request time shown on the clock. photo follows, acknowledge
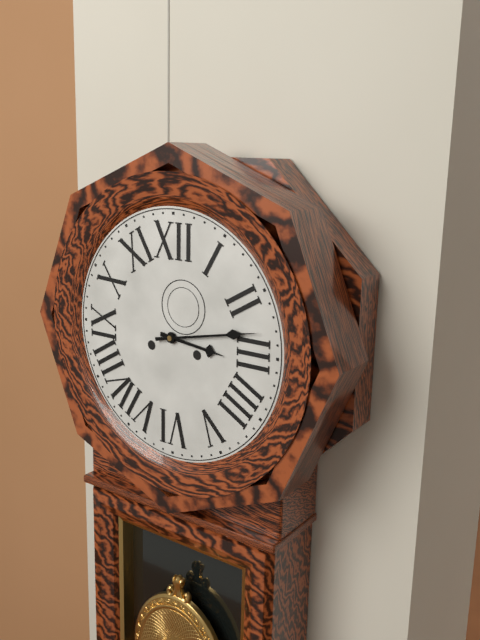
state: 3:13
